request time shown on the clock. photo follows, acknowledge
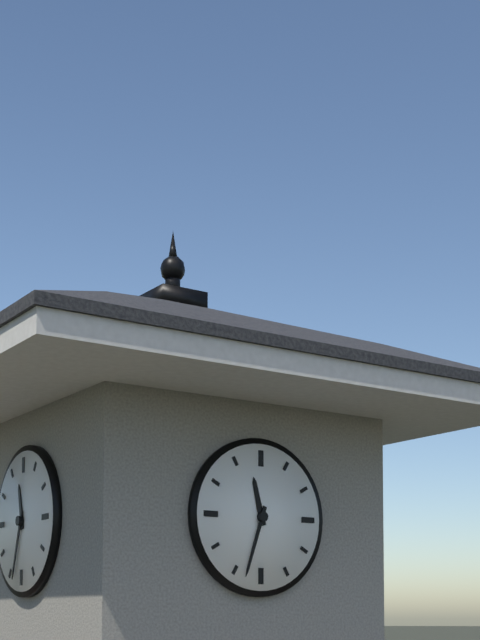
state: 11:33
